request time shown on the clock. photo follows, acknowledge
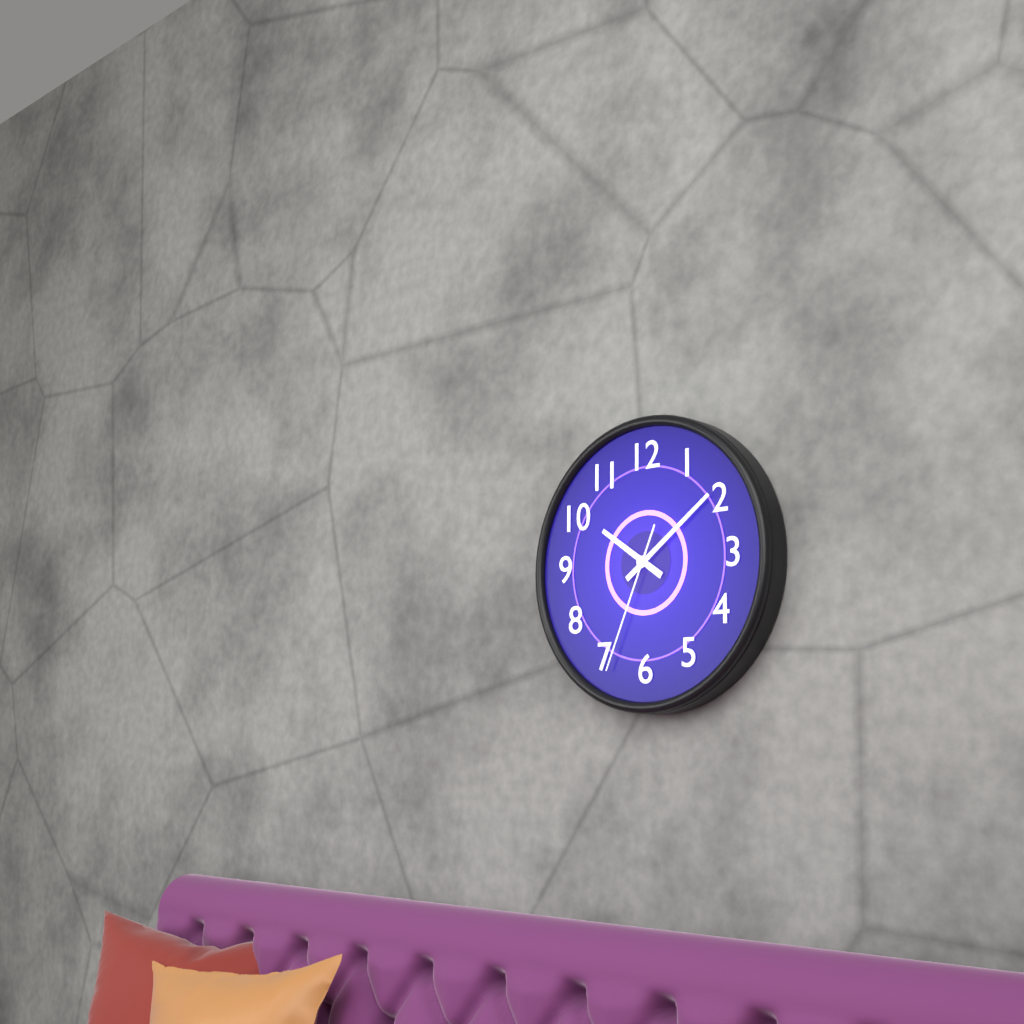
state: 10:09:34
